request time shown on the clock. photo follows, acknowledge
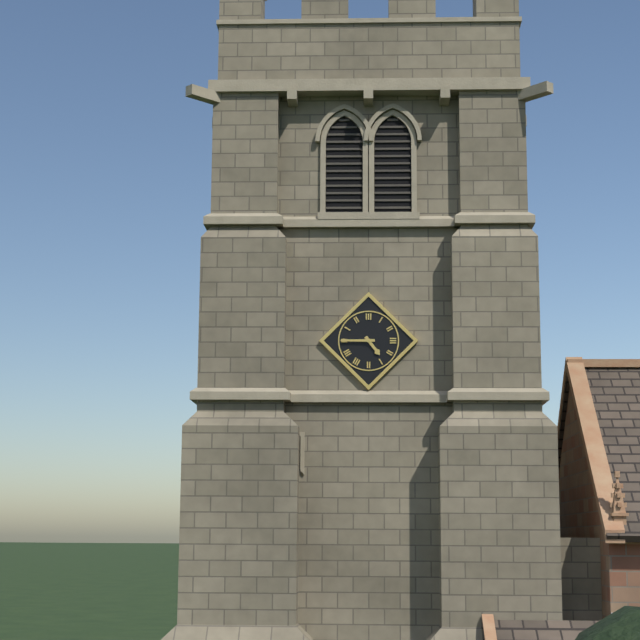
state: 4:45
